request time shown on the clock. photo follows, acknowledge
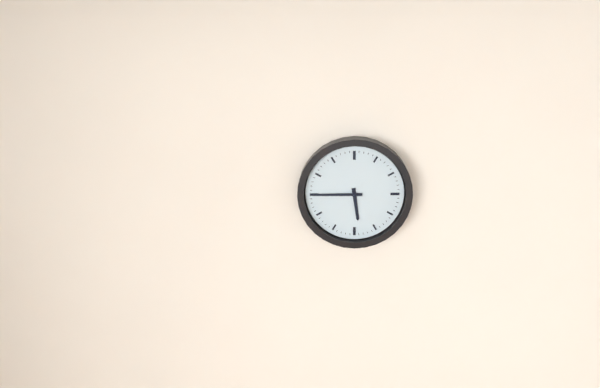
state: 5:45
